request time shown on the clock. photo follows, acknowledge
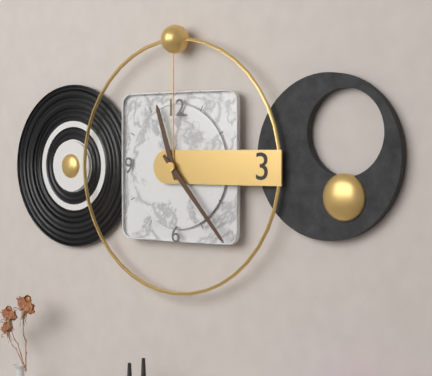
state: 11:23
